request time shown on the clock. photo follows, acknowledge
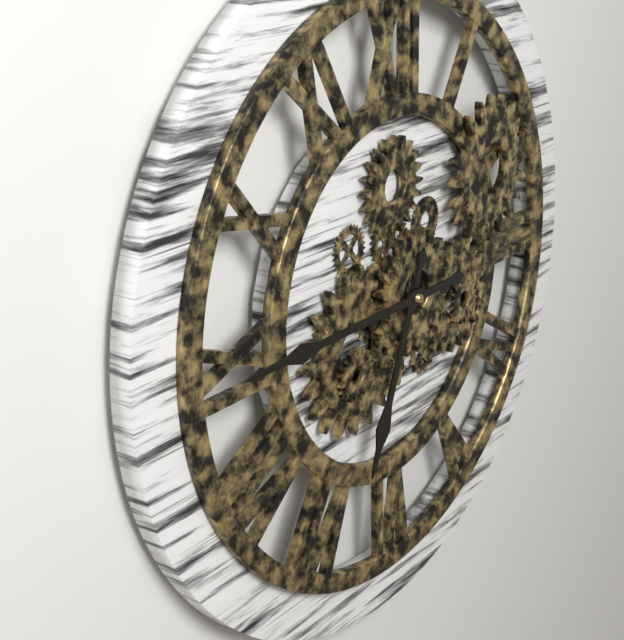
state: 6:45
